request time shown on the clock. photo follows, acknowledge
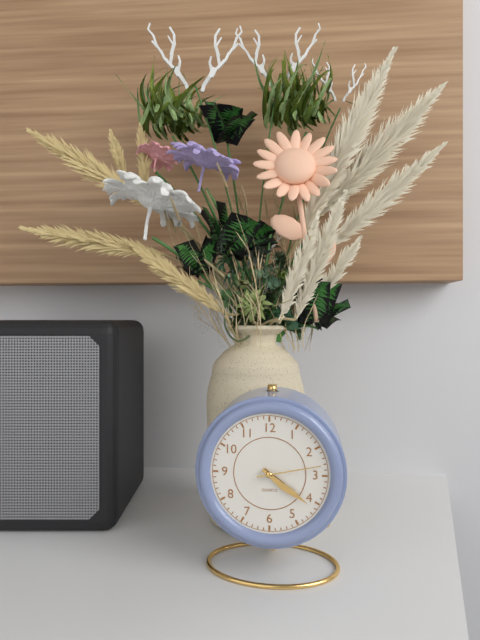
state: 4:21:13
